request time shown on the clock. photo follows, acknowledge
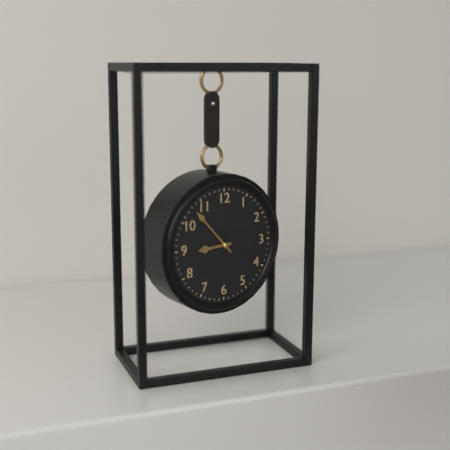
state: 8:53
